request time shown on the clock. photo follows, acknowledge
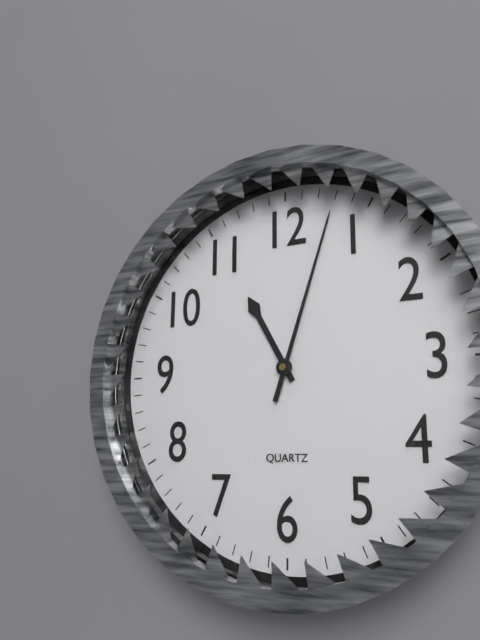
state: 11:03
